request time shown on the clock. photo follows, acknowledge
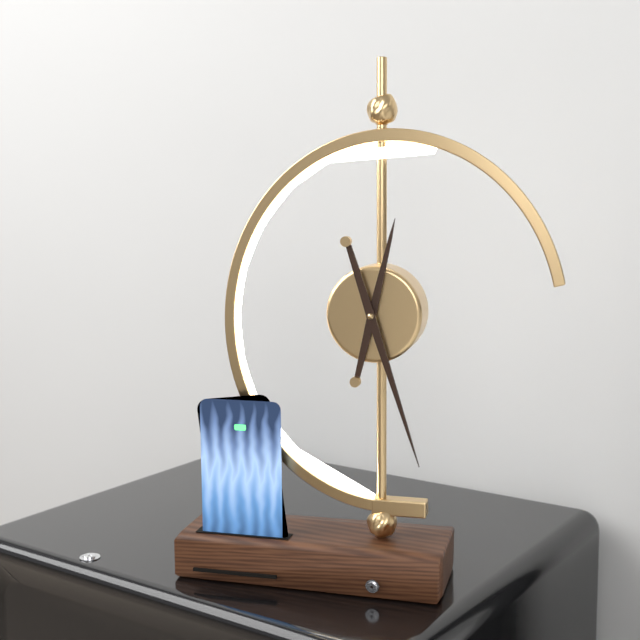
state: 12:27
